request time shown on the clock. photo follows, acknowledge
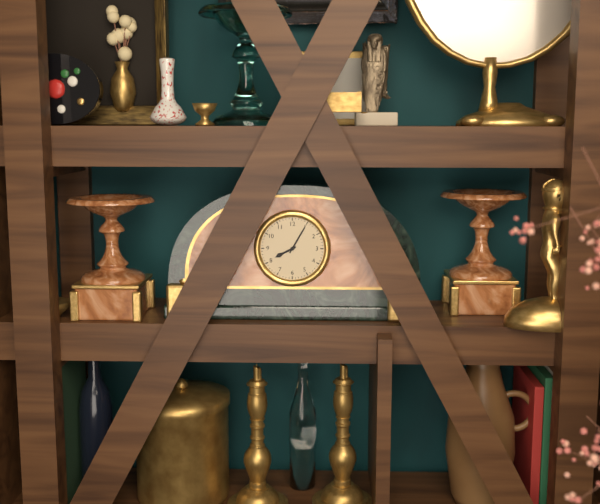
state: 8:05
